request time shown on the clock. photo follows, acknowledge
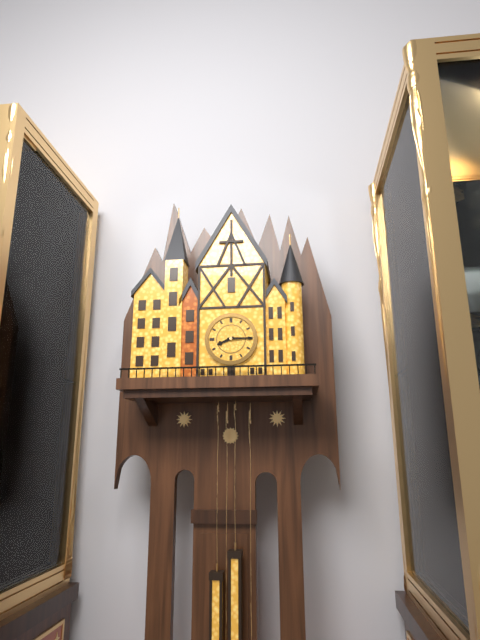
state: 8:15
